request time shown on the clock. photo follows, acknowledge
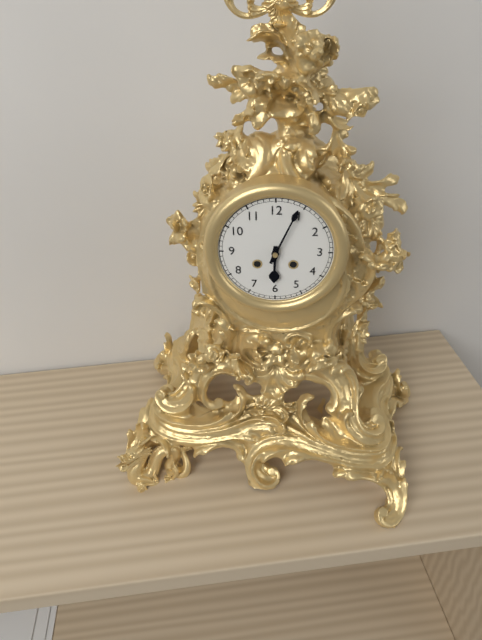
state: 6:04
